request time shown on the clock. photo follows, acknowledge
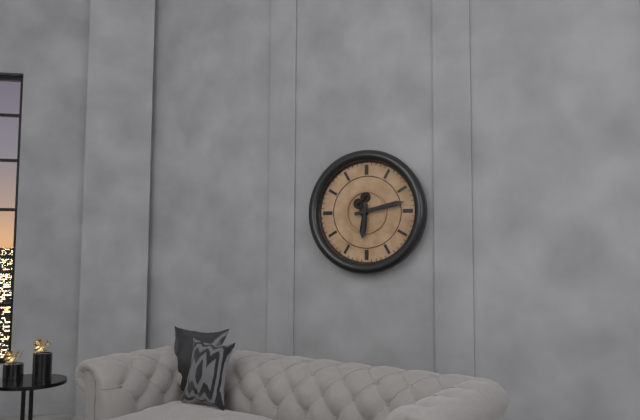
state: 6:13
